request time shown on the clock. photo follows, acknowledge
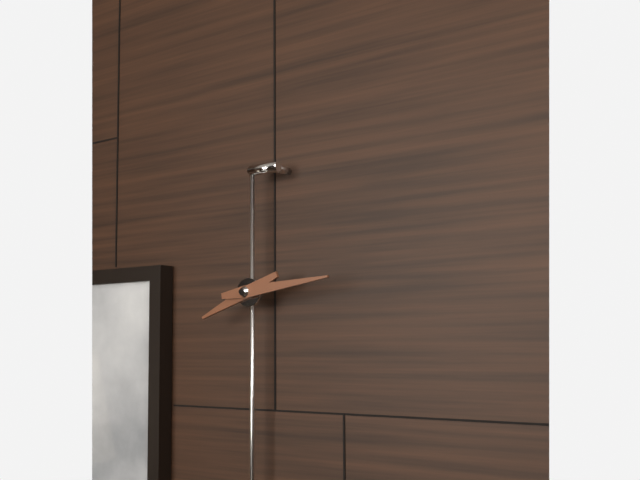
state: 8:14
